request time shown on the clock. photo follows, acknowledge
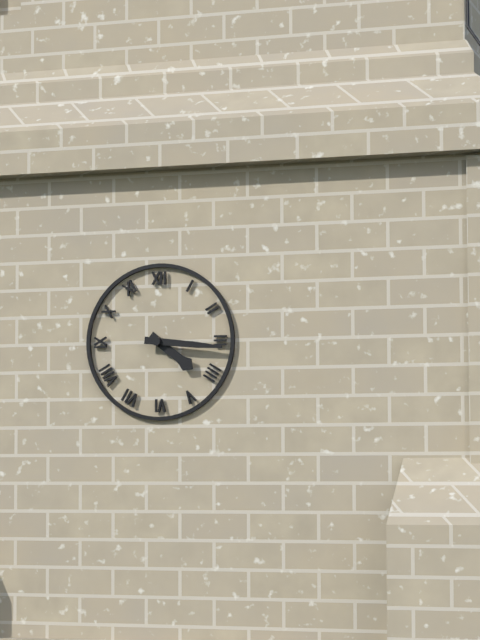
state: 4:16
